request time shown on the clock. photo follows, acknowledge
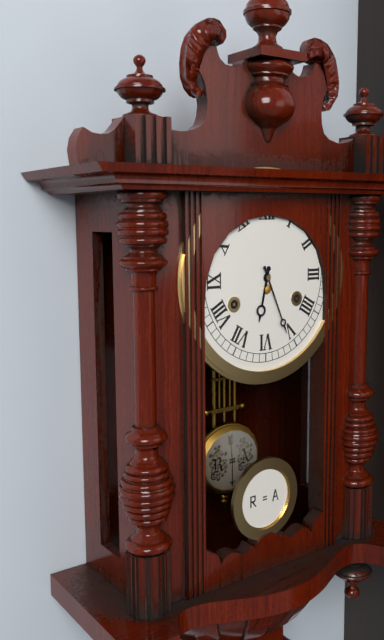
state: 6:26
